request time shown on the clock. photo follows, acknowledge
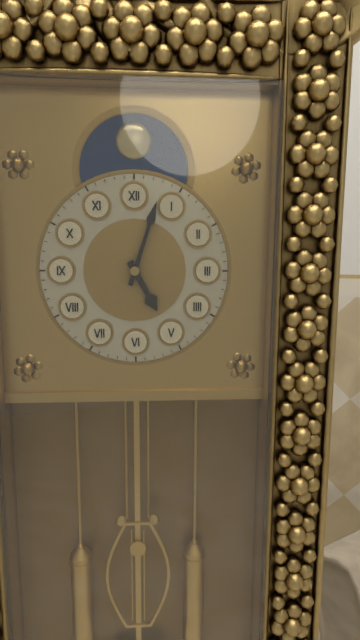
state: 5:03
